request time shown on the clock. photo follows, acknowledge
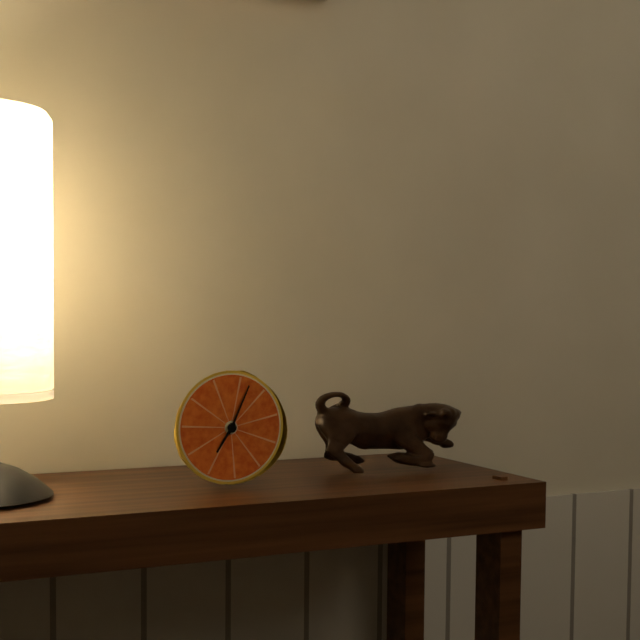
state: 7:04
